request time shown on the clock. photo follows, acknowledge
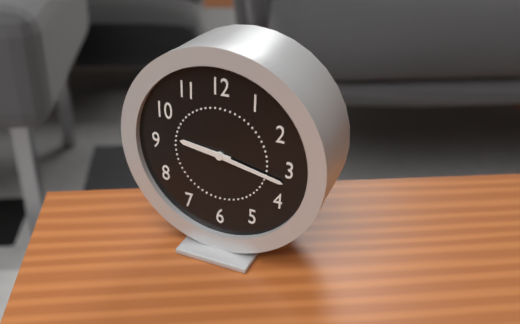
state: 9:17
